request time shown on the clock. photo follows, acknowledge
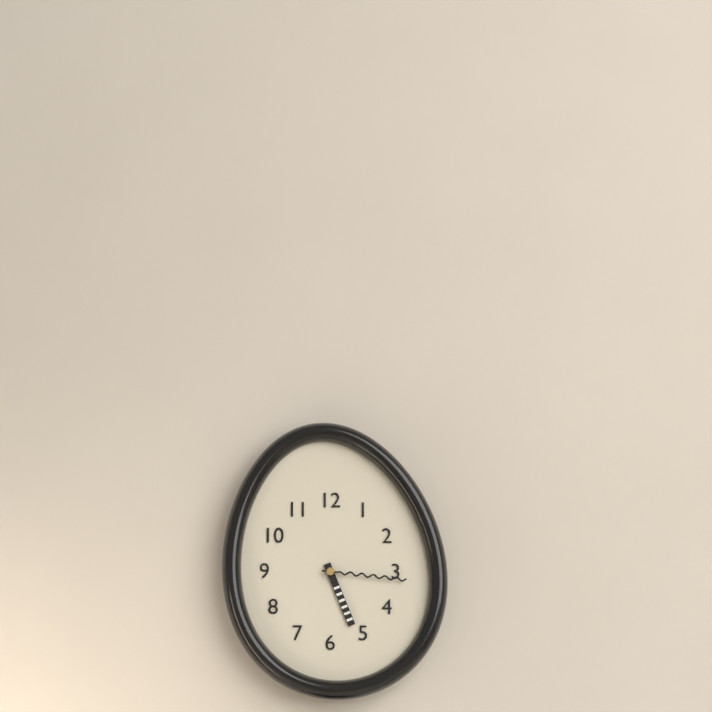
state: 5:16
